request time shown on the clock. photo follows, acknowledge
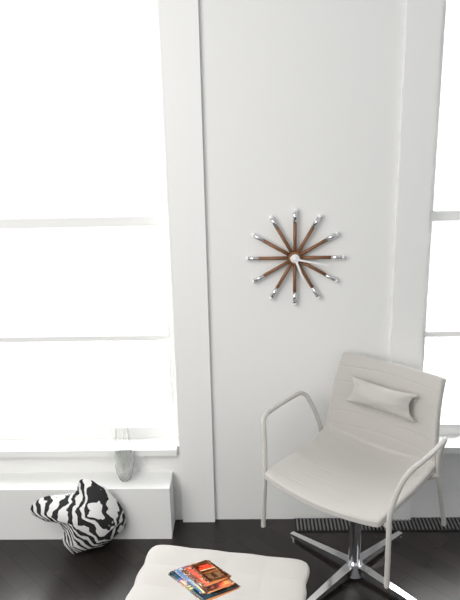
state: 5:17
